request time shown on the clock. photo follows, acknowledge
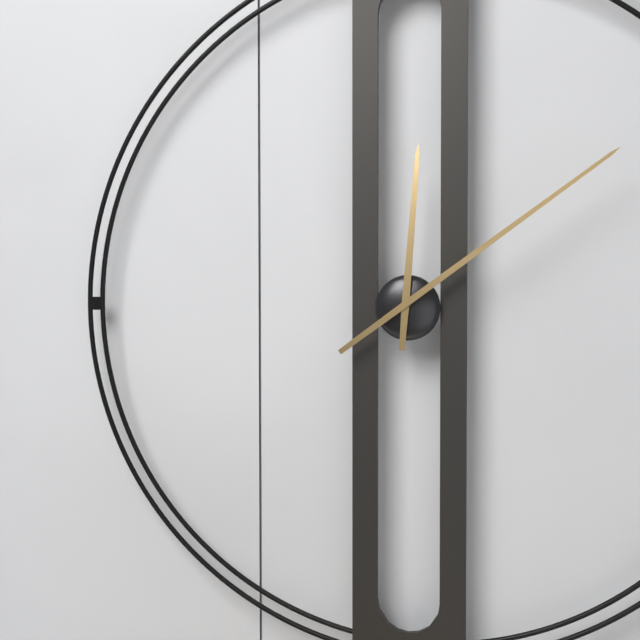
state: 12:09
